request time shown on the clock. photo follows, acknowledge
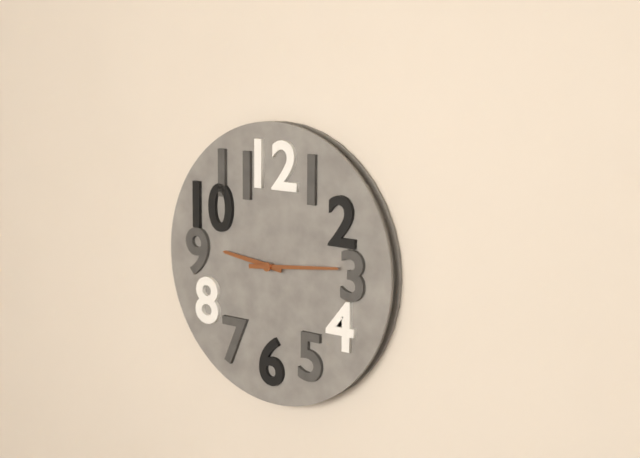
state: 9:14
